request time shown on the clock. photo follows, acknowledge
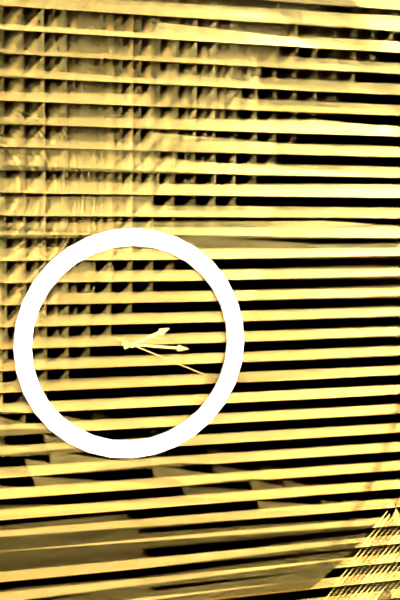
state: 2:16:19
